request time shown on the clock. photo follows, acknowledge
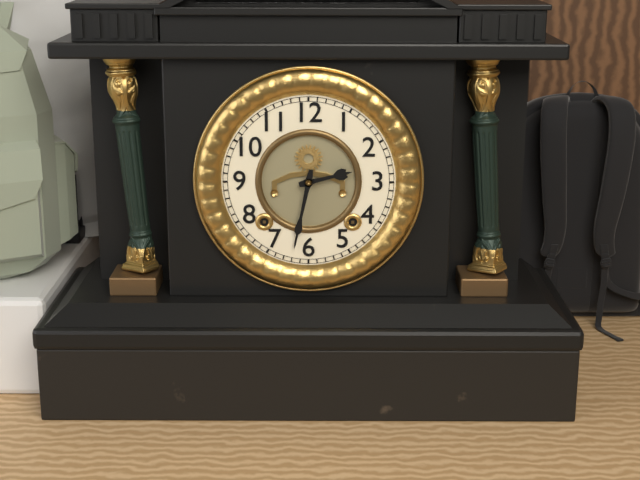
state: 2:32
